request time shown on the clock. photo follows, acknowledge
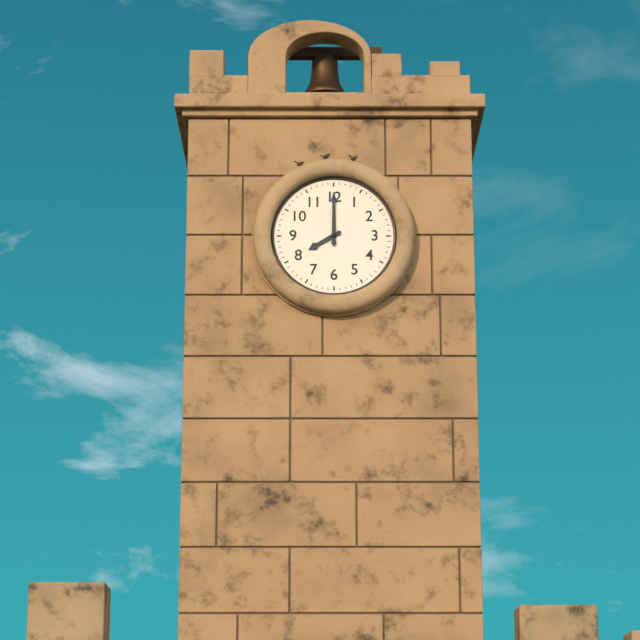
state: 8:00
